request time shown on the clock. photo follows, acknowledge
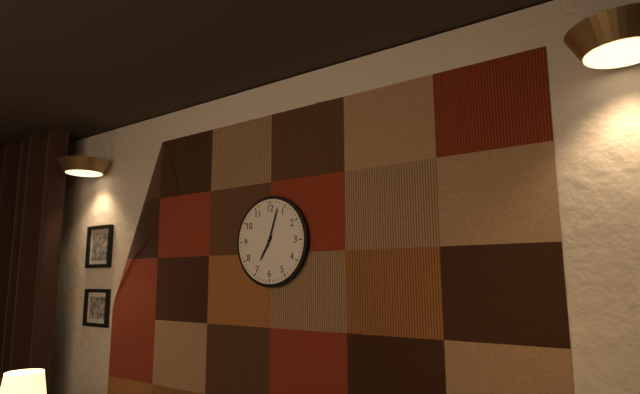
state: 7:03
